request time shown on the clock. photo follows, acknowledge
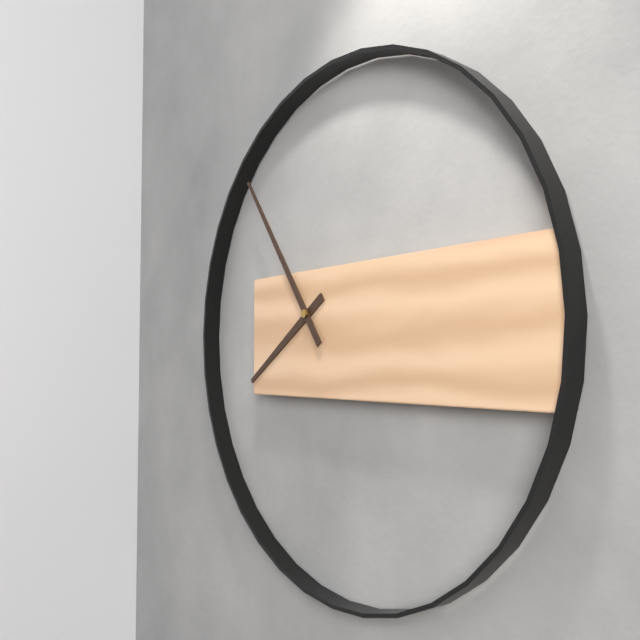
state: 7:54
